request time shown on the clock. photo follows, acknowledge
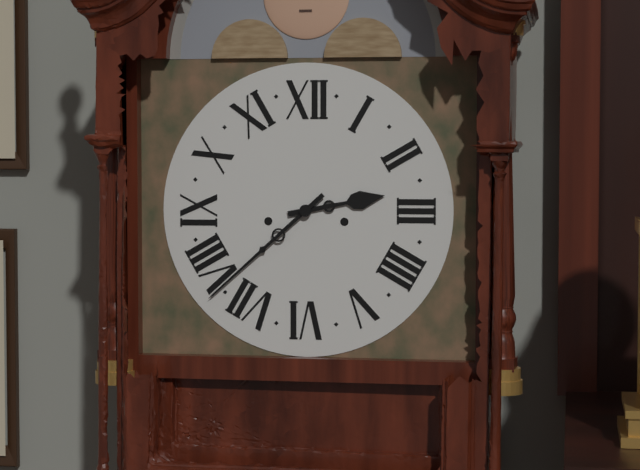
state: 2:38
